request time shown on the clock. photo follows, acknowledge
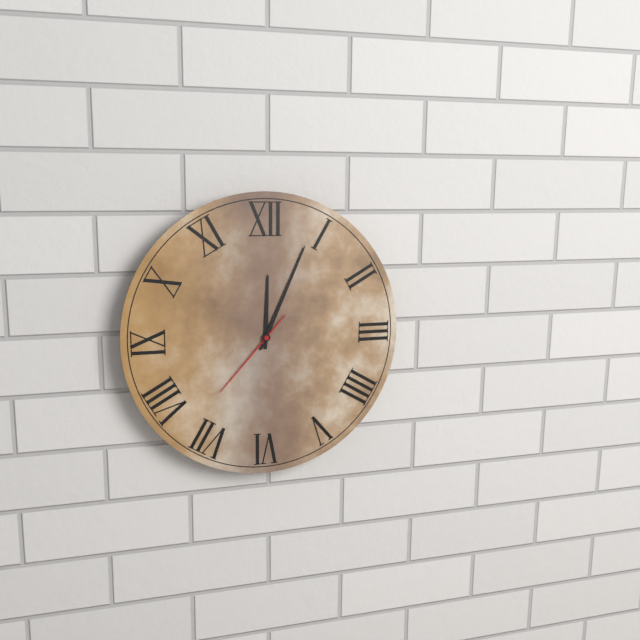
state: 12:04:37
